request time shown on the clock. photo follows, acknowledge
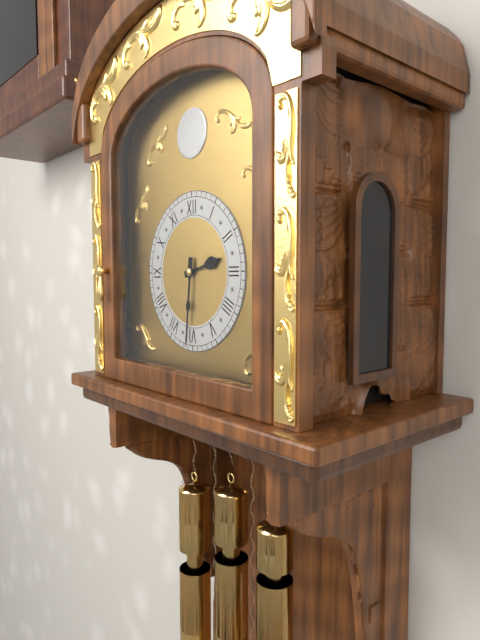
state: 2:31
